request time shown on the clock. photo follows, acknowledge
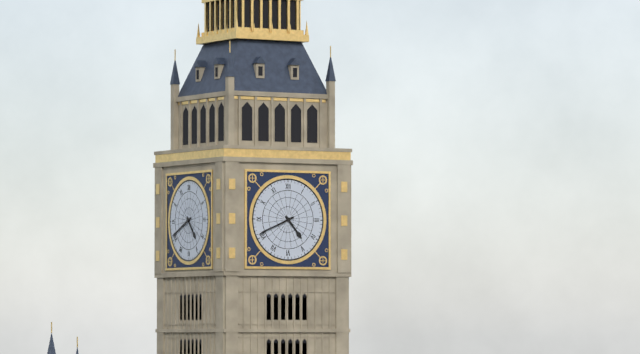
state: 4:41
